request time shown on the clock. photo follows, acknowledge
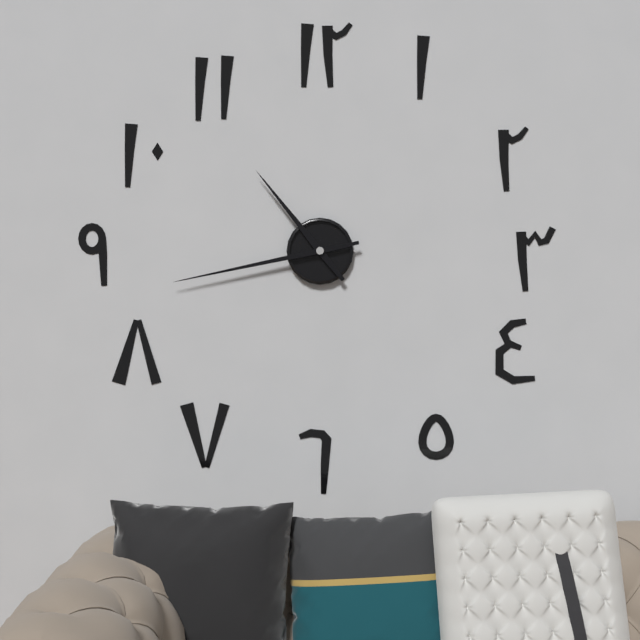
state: 10:43
